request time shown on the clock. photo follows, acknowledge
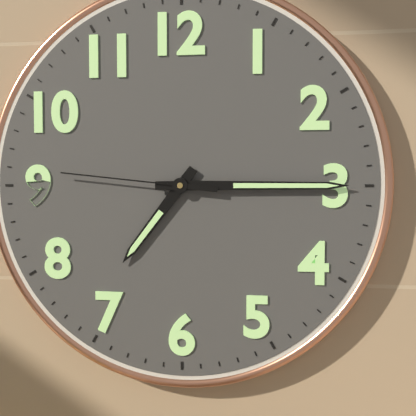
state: 7:15:46
